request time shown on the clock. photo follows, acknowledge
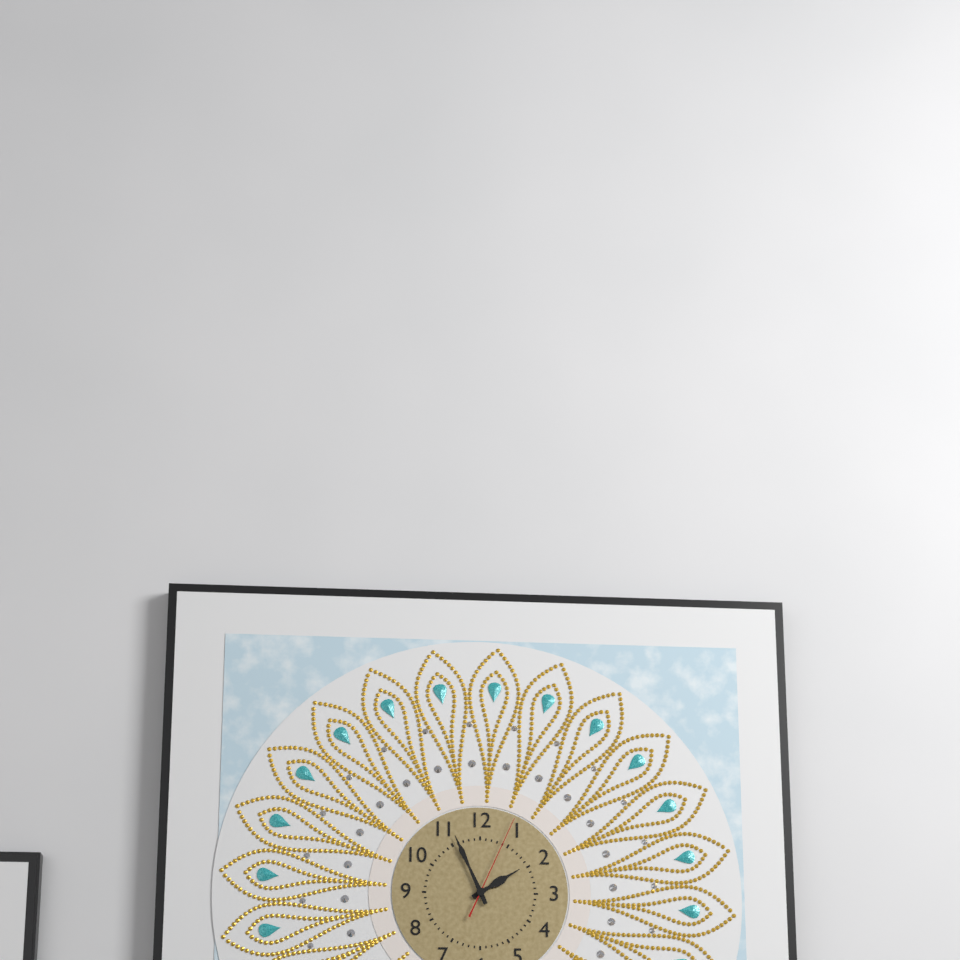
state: 1:56:04
